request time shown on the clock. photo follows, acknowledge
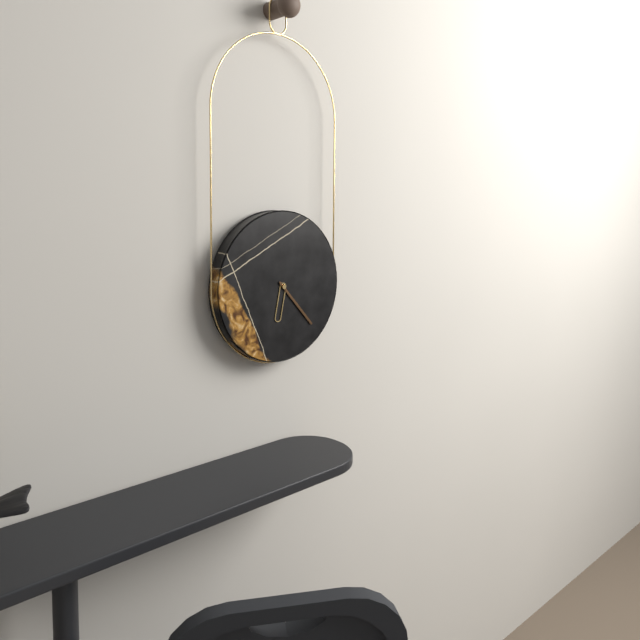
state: 6:23
